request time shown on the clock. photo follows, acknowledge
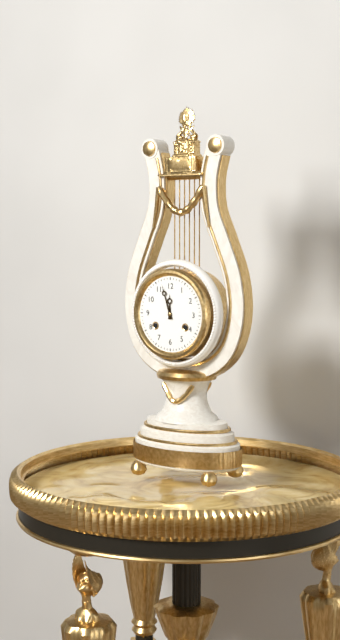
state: 11:57
